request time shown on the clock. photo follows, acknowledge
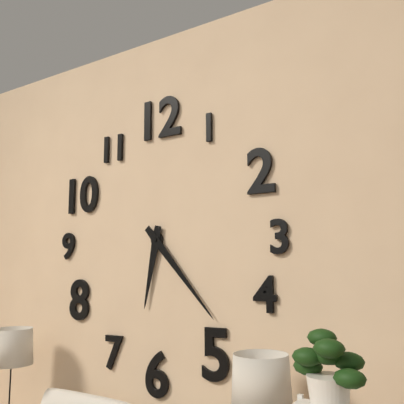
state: 6:23
